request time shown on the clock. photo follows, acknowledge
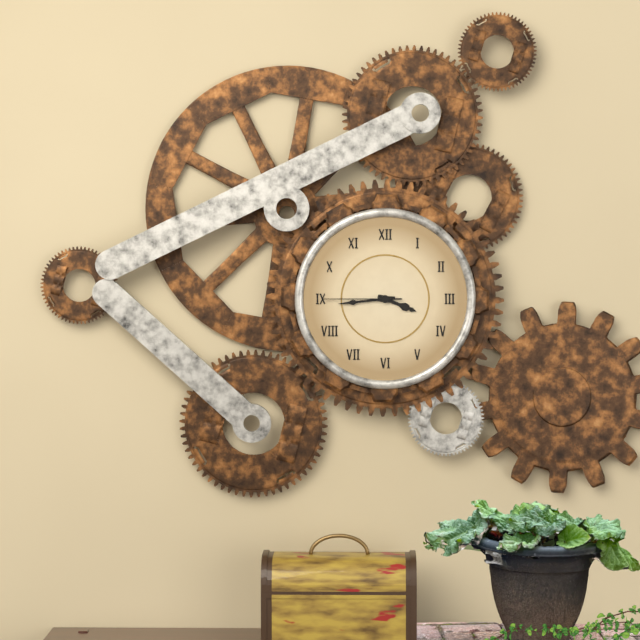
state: 3:44:45
